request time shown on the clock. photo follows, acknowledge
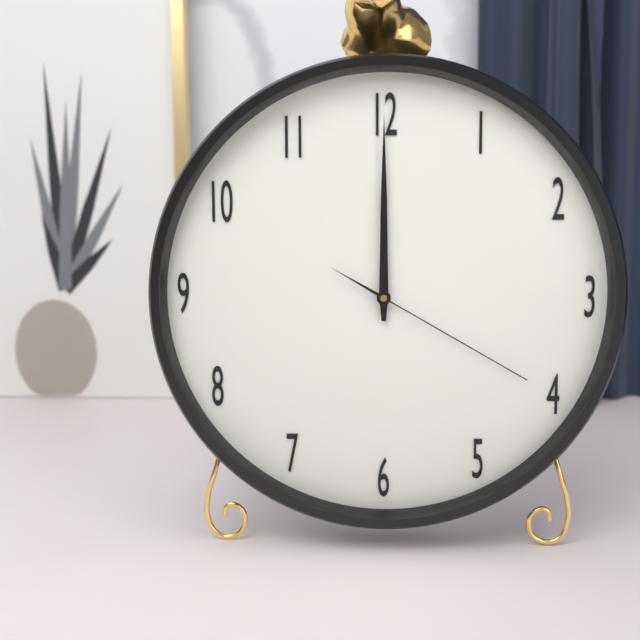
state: 12:00:20
